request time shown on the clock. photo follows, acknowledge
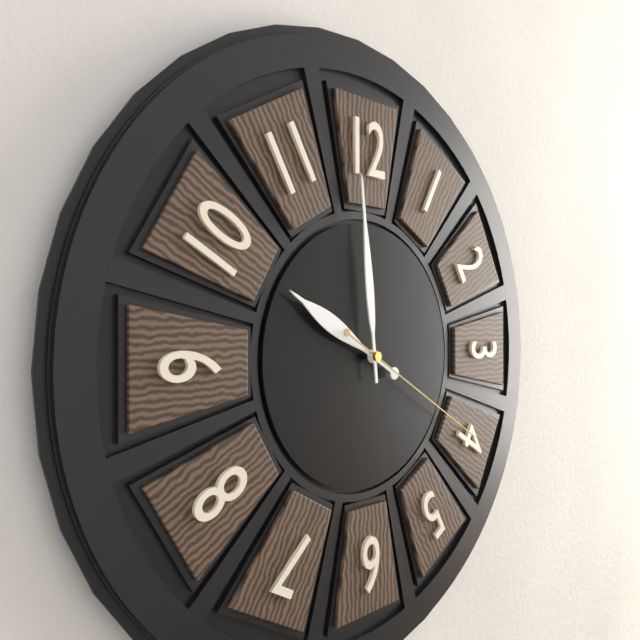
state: 9:59:20
